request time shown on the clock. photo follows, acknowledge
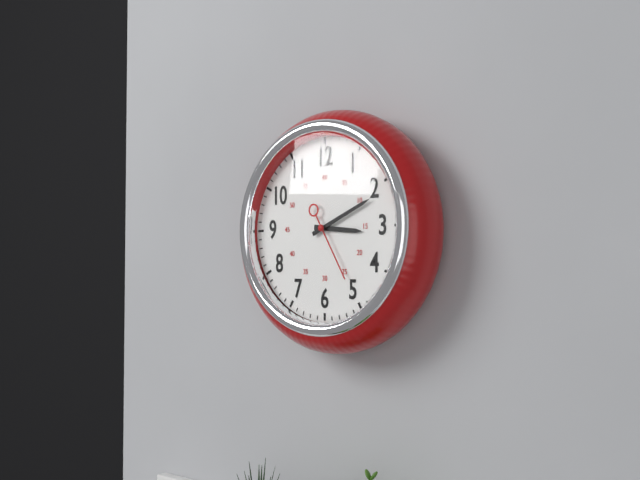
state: 3:11:25
